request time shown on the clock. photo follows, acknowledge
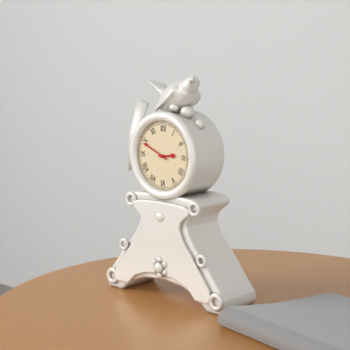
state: 2:49
